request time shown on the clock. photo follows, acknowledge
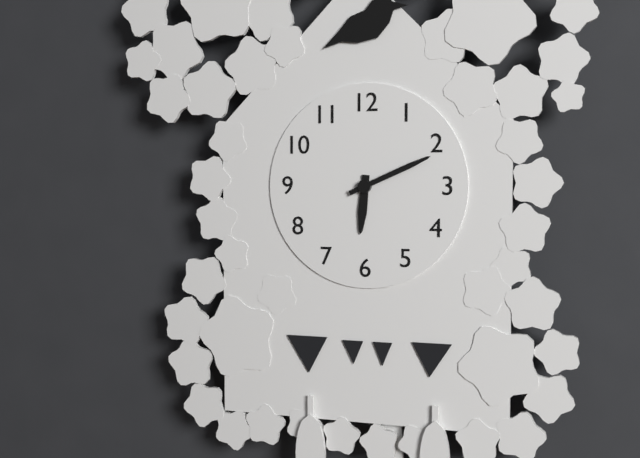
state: 6:11
